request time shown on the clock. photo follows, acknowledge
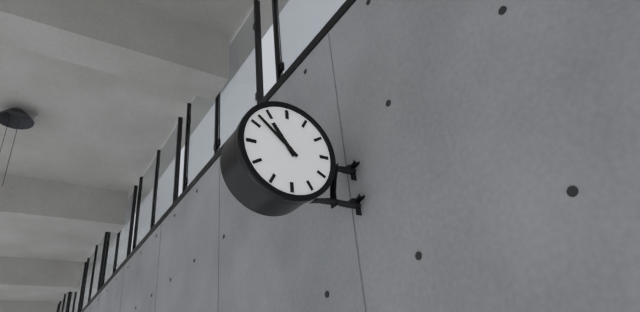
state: 10:52
